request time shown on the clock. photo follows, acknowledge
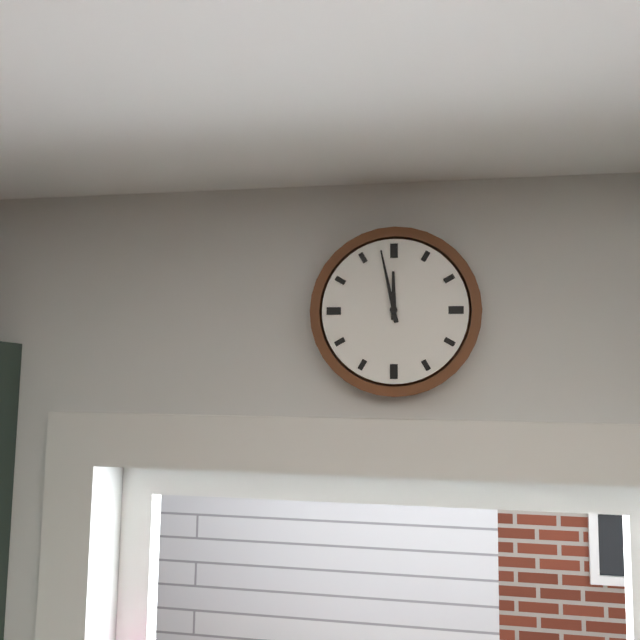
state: 11:58
